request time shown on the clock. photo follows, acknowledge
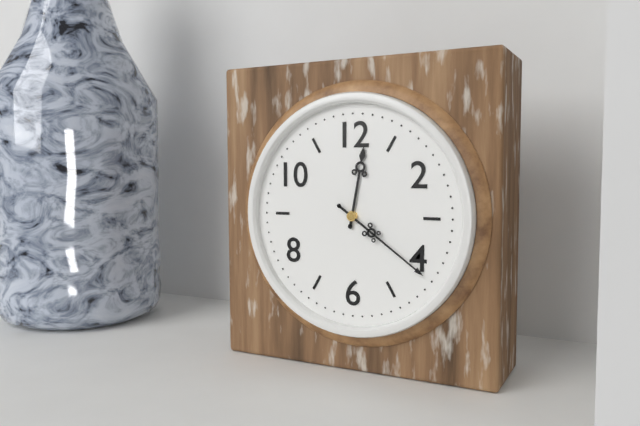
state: 12:21
